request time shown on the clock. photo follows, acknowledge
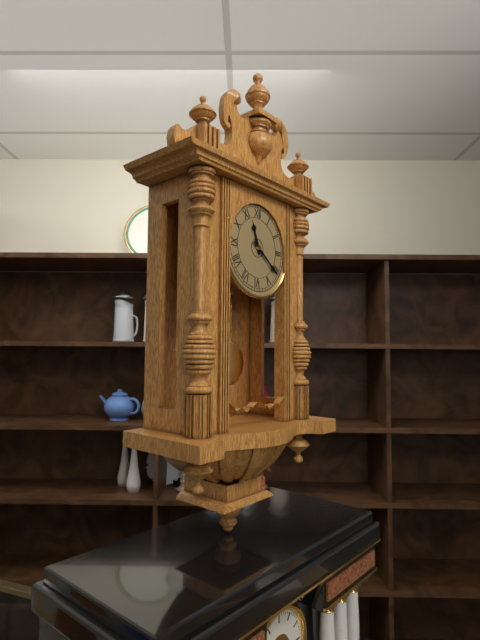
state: 11:21
